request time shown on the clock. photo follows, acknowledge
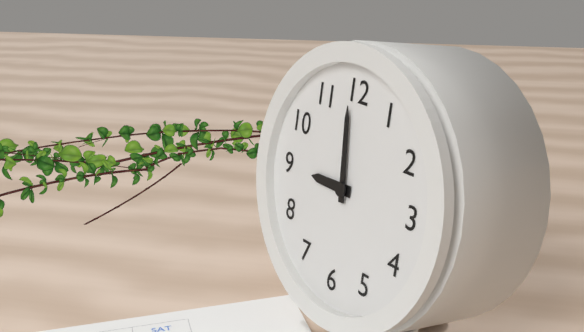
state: 8:59
